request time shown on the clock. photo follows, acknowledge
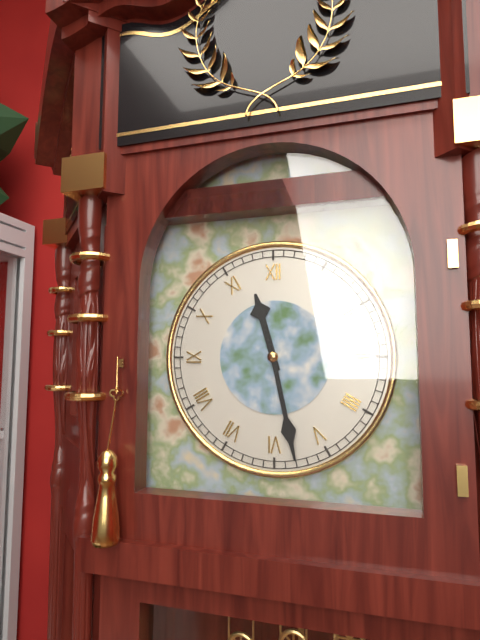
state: 11:28
